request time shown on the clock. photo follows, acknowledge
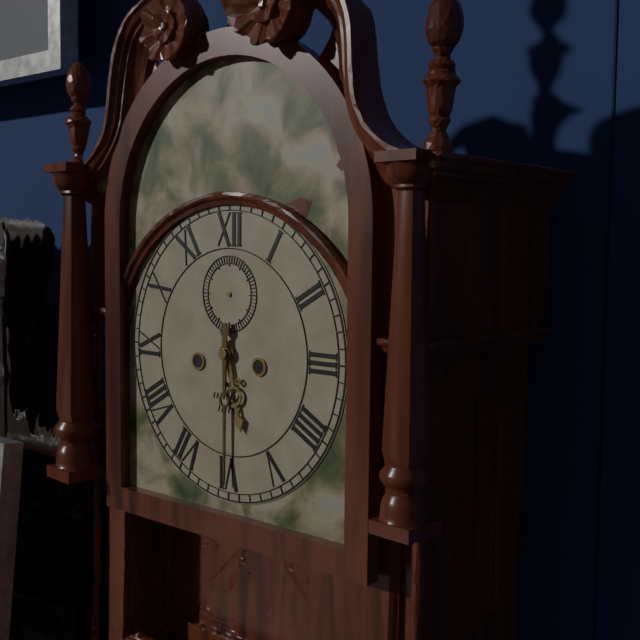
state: 5:30
